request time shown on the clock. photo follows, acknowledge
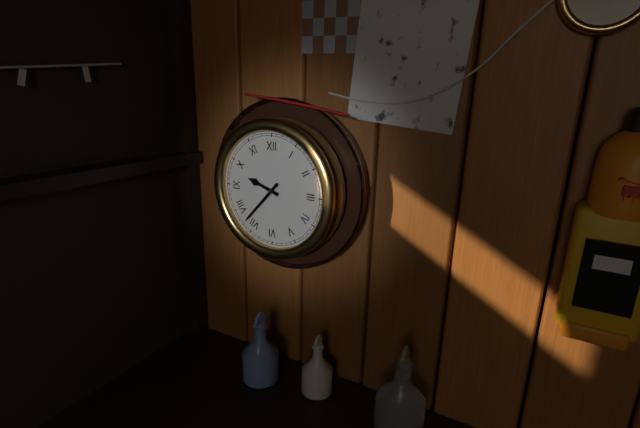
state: 9:37
